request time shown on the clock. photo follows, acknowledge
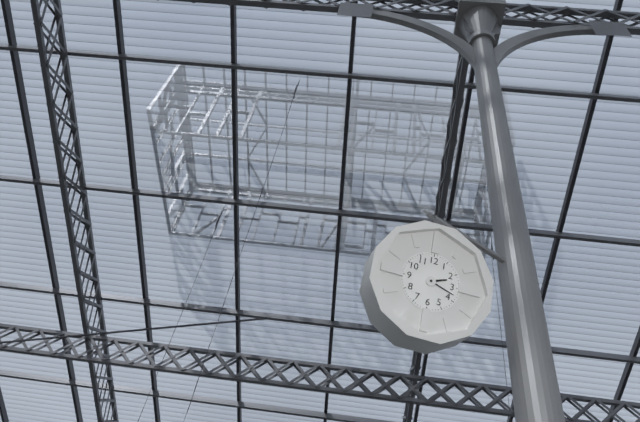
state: 2:18
